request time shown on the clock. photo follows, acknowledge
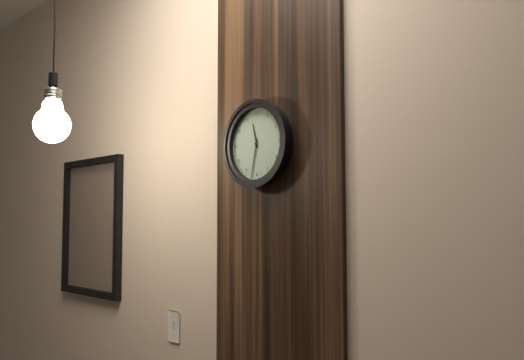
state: 11:32
